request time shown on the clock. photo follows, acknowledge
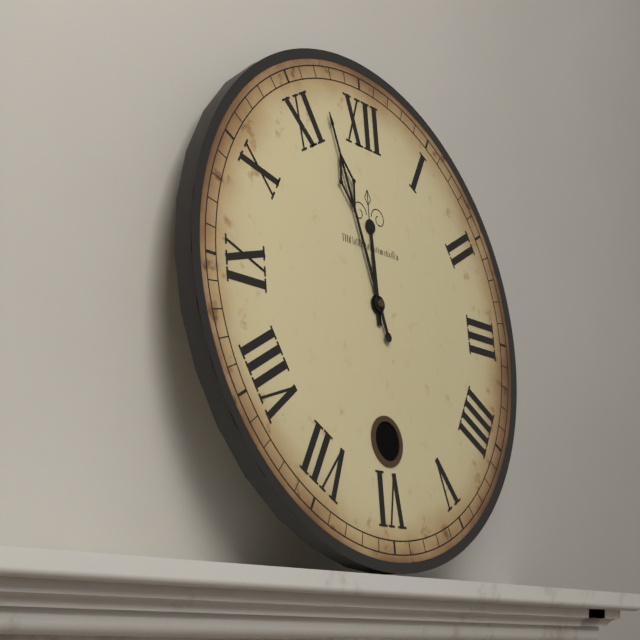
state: 11:57
